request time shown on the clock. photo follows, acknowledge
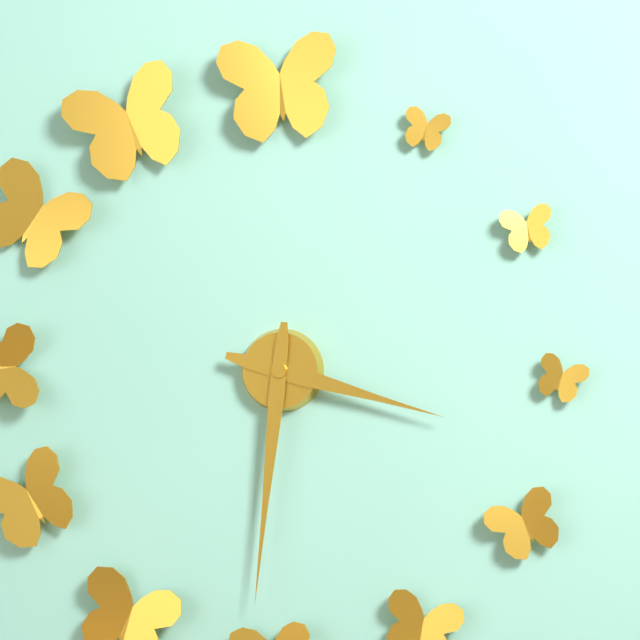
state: 3:31
